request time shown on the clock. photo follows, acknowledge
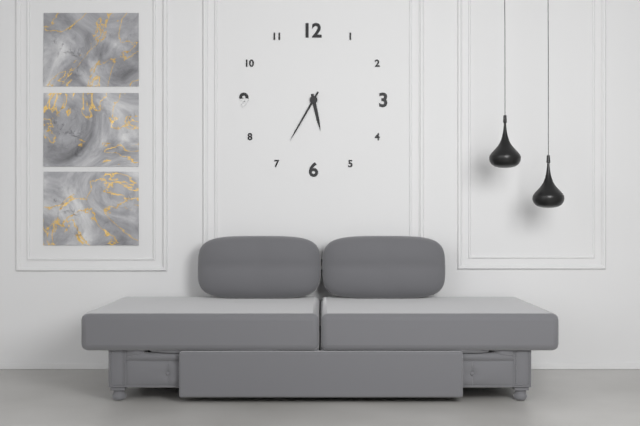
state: 5:35
